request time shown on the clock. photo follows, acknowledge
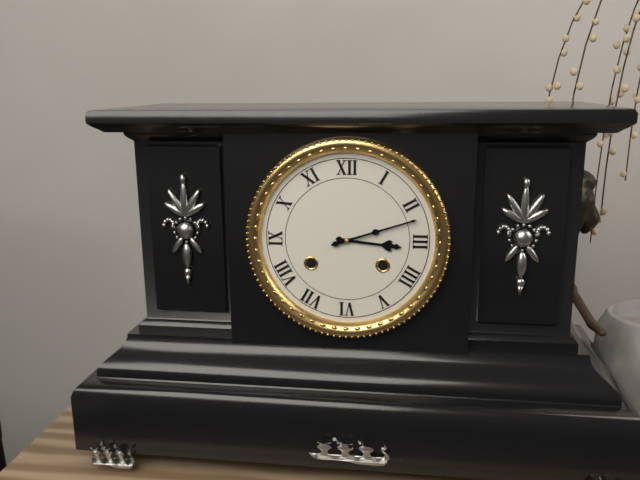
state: 3:12
